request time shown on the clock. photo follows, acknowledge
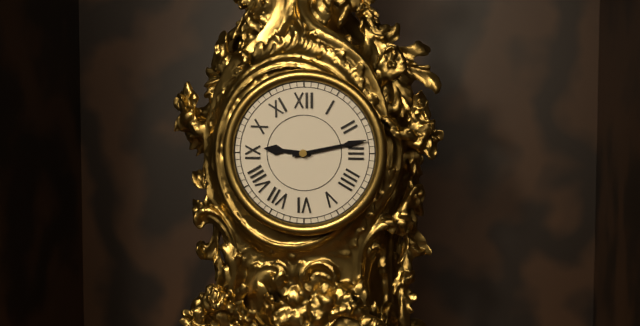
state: 9:13
